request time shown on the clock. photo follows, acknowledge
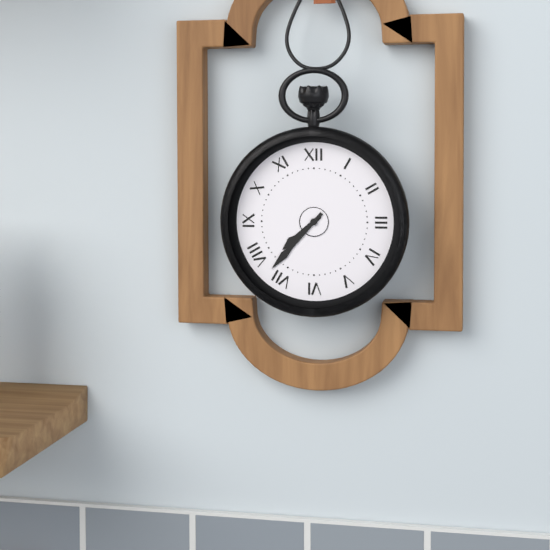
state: 7:37
